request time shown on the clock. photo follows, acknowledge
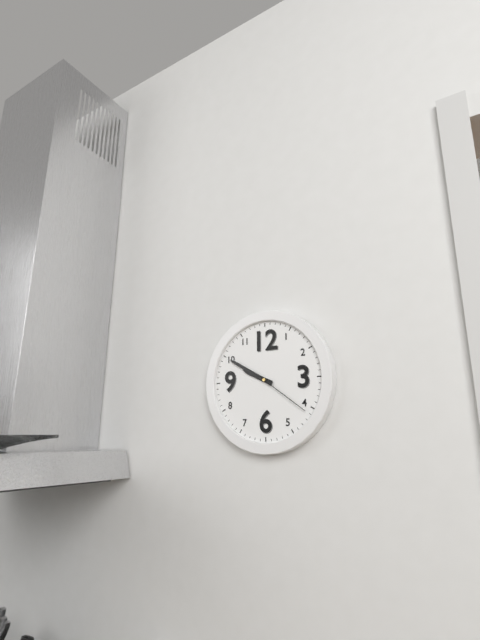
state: 9:50:21
